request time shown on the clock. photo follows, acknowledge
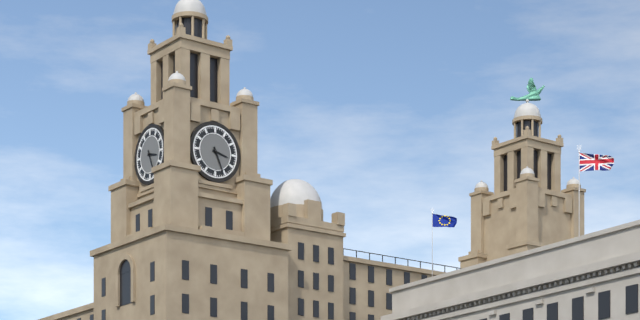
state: 3:26
